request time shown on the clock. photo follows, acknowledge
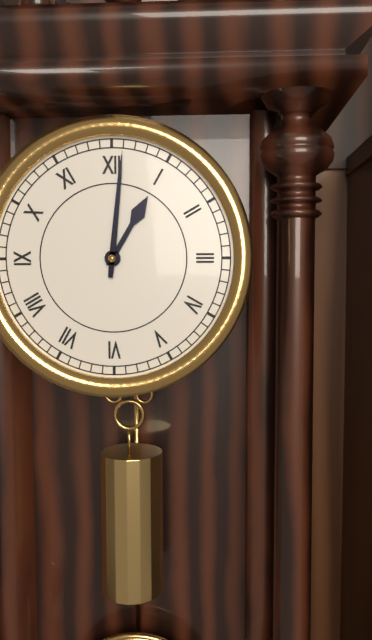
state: 1:01
